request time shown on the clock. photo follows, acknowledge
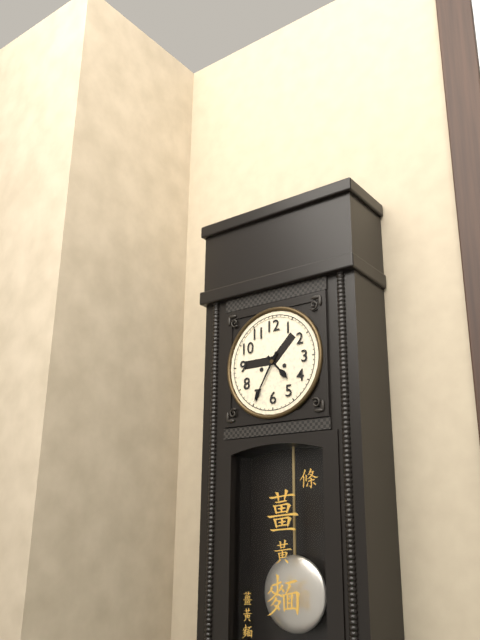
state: 4:35
